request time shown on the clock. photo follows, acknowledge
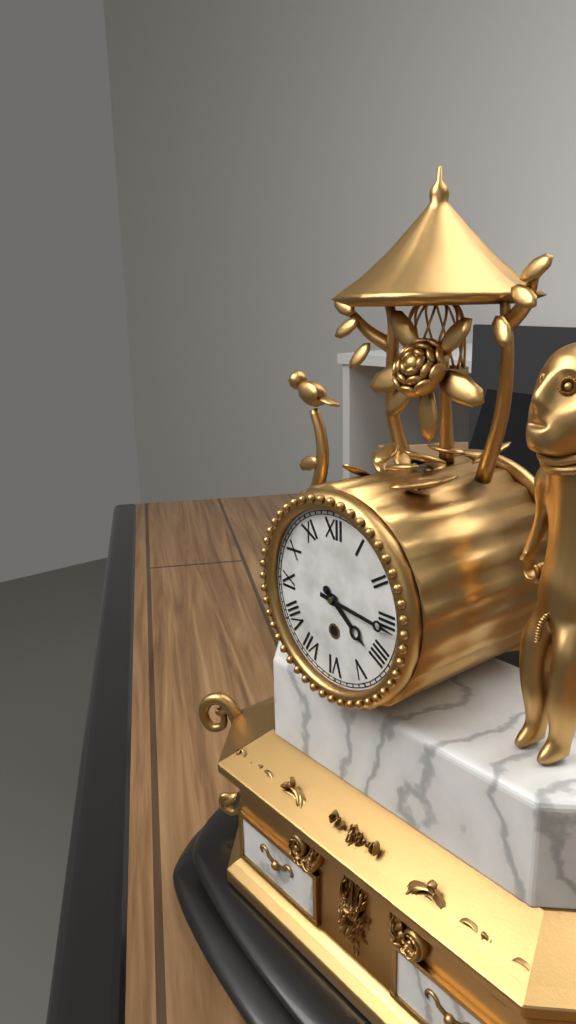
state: 4:16
